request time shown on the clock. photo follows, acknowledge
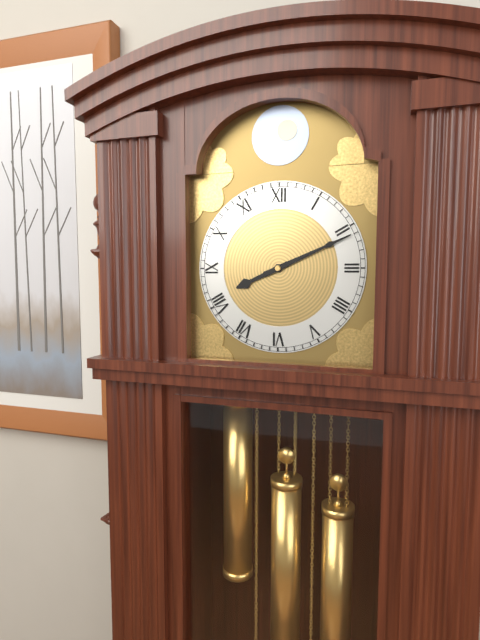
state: 8:11
